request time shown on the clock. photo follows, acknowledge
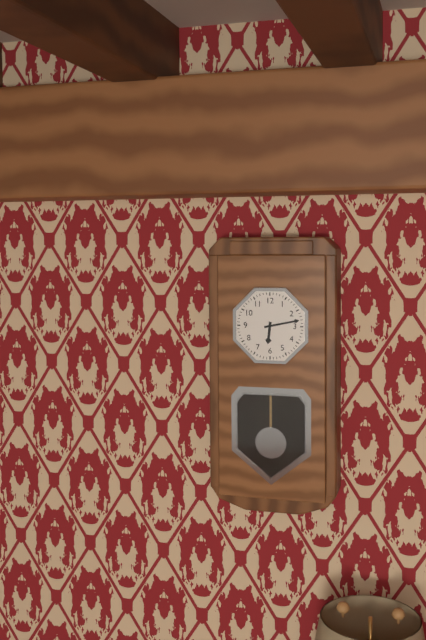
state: 6:13
